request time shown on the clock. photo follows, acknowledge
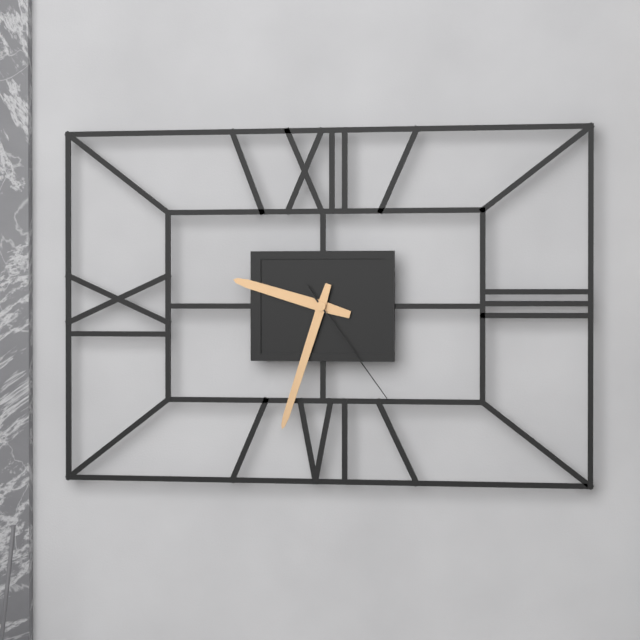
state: 9:33:24
